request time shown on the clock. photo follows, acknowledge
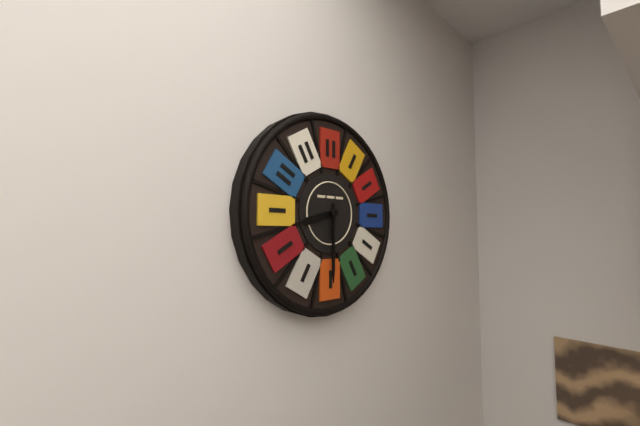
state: 8:30
